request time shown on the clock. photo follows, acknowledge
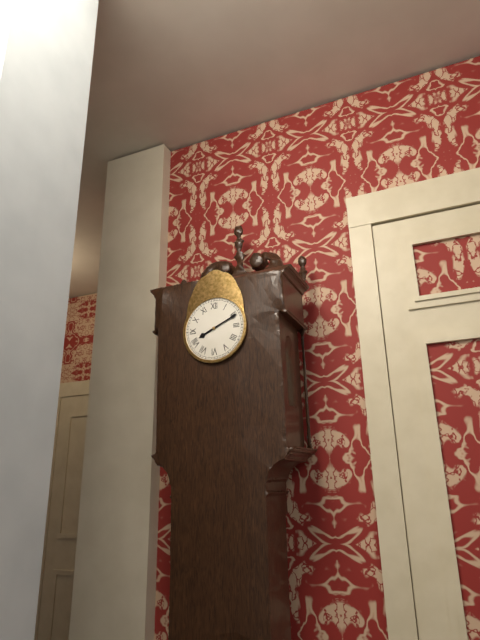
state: 8:11
